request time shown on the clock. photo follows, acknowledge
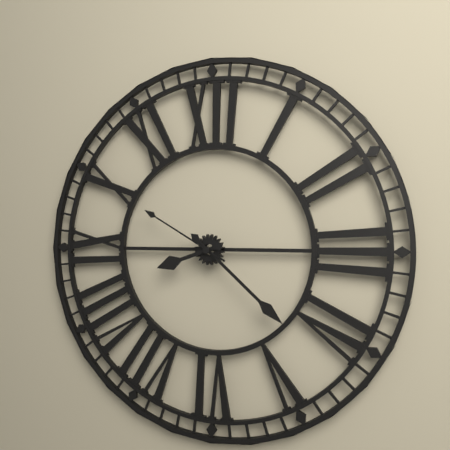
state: 8:22:50
